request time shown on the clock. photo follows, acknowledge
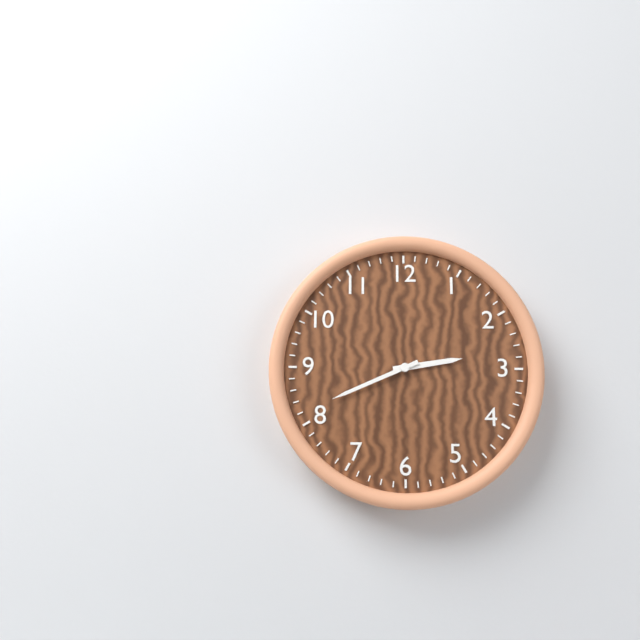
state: 2:41
